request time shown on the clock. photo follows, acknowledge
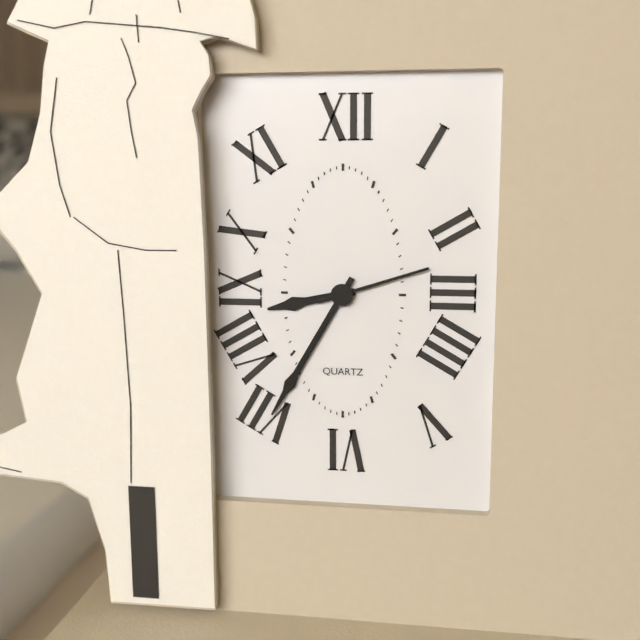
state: 8:35:12
